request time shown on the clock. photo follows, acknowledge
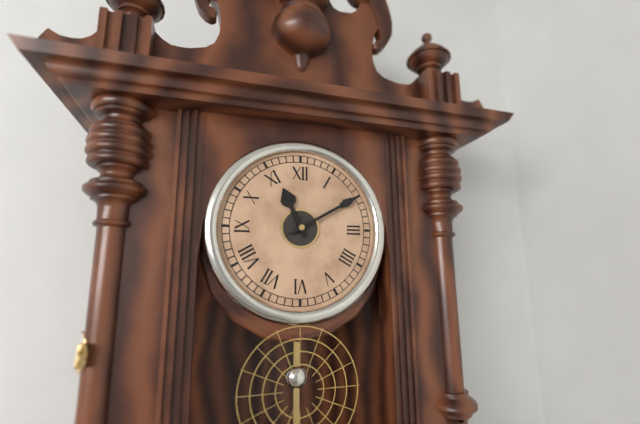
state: 11:10
